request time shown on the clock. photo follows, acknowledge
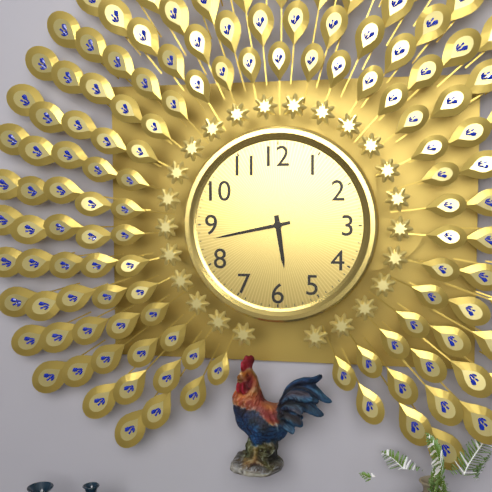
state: 5:43
